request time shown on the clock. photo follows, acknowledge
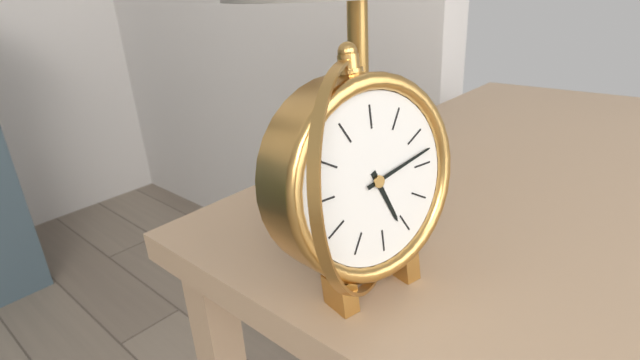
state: 5:13
